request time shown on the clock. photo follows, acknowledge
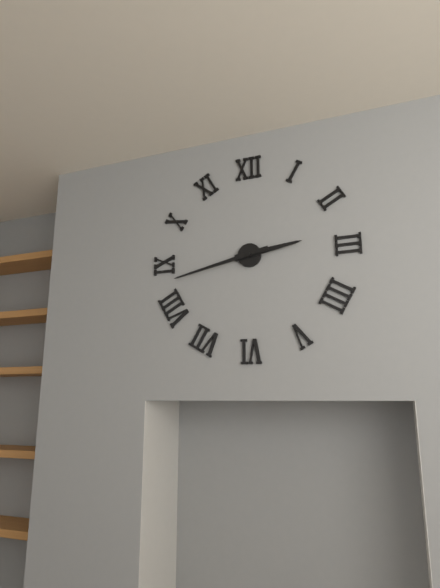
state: 2:43
